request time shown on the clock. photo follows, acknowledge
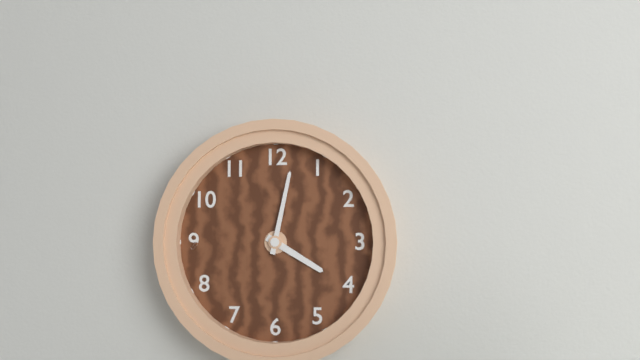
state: 4:02
